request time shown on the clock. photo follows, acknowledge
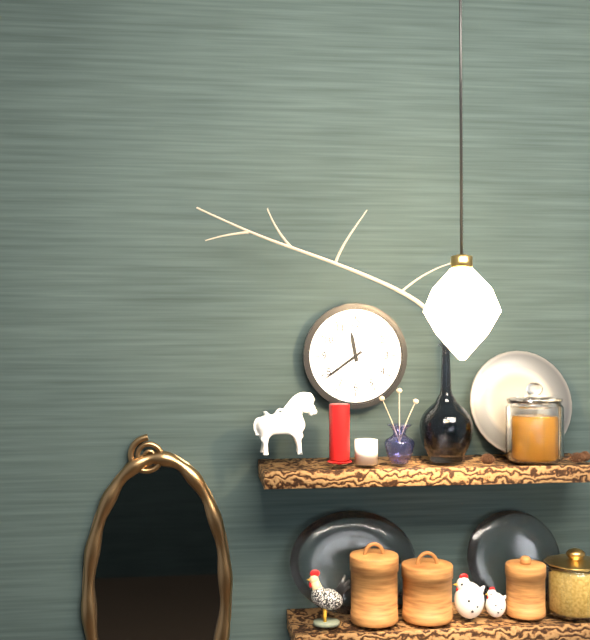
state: 11:39
